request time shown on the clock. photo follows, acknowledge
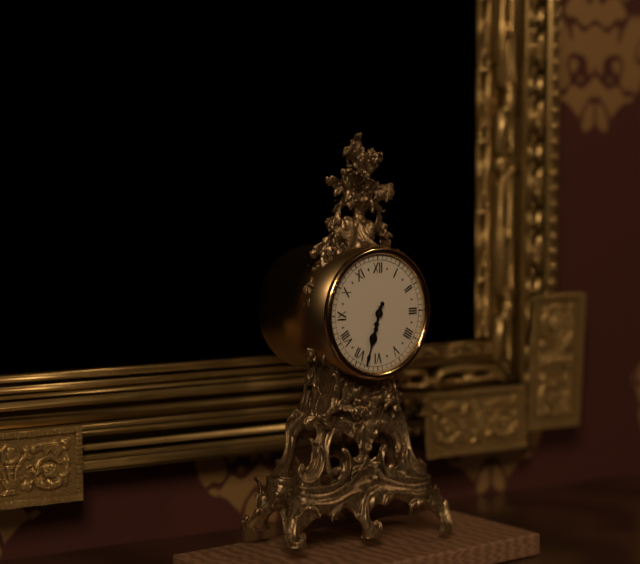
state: 6:33
